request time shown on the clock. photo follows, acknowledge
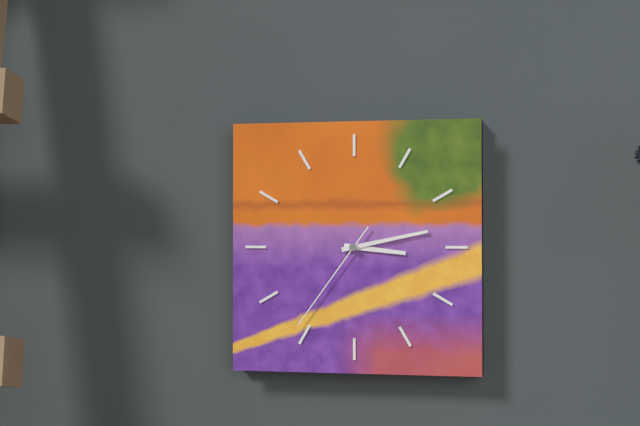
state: 3:13:36
